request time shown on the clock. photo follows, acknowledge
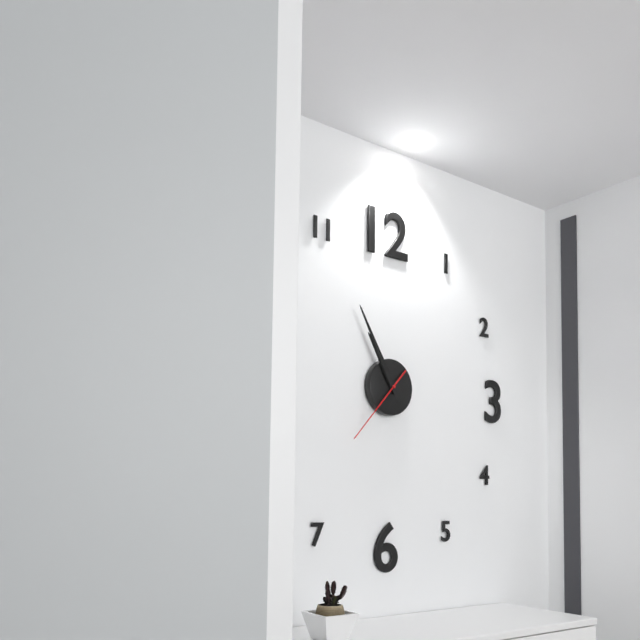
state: 10:55:37
